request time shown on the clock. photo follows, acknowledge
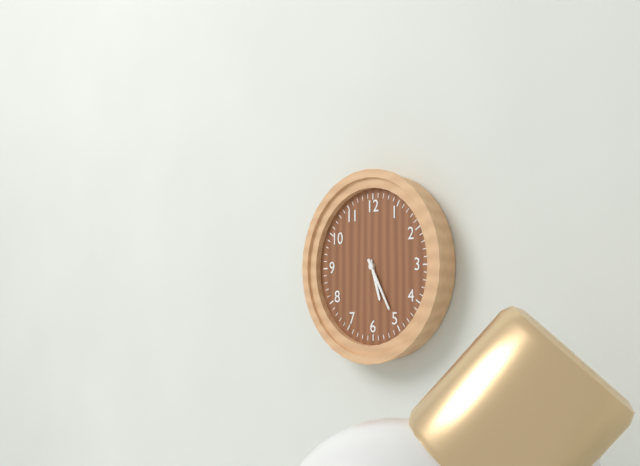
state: 5:25
